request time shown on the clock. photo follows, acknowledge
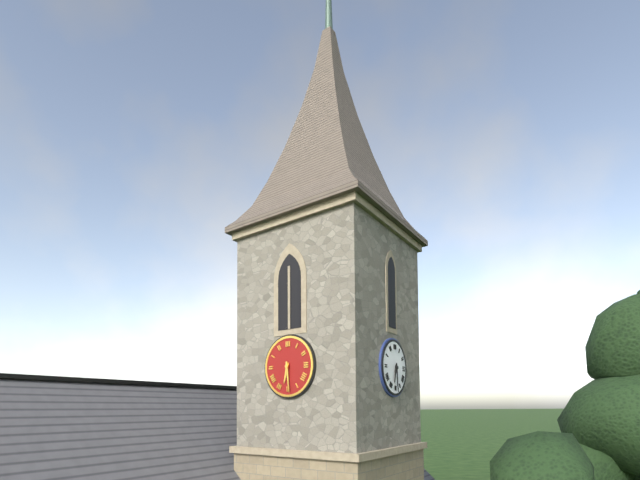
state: 6:29
